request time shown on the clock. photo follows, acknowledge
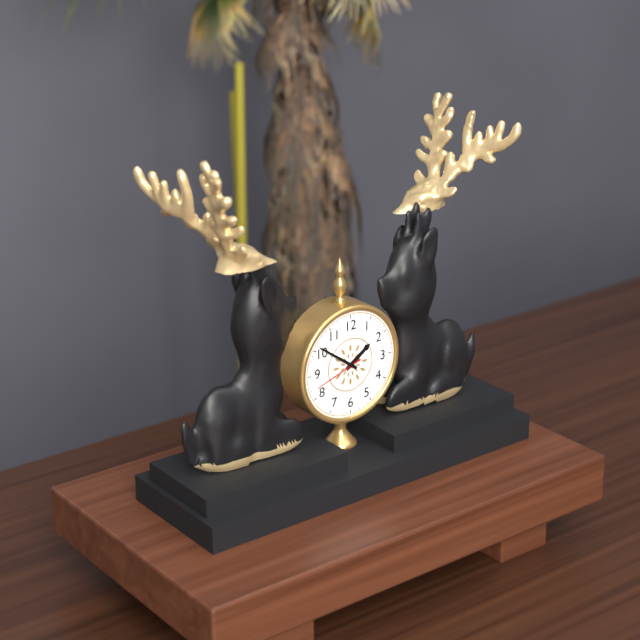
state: 1:51:42
